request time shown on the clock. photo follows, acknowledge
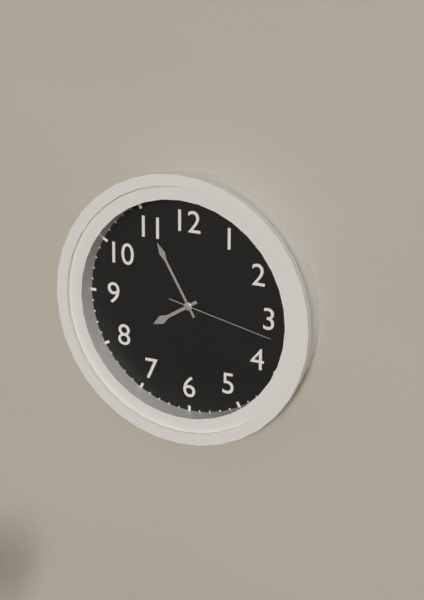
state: 7:55:17
